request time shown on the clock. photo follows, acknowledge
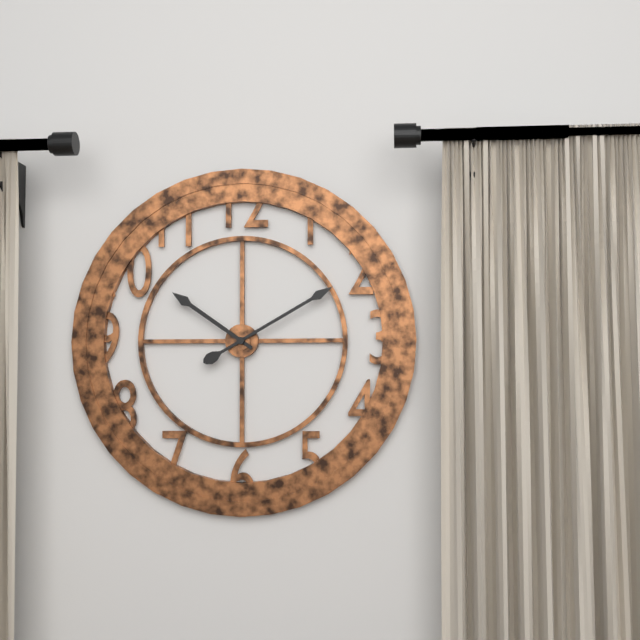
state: 10:10
